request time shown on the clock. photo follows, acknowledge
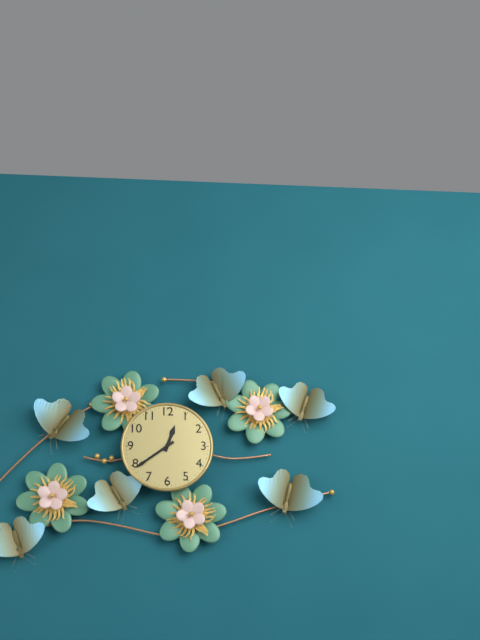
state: 12:39
